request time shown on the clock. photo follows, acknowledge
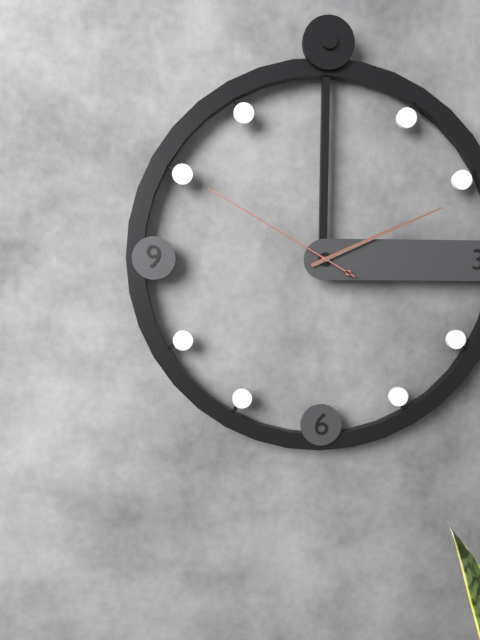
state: 2:11:50
